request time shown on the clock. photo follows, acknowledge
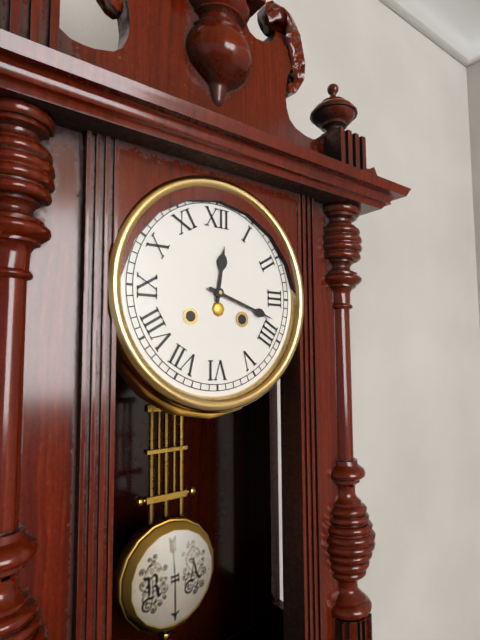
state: 12:18
